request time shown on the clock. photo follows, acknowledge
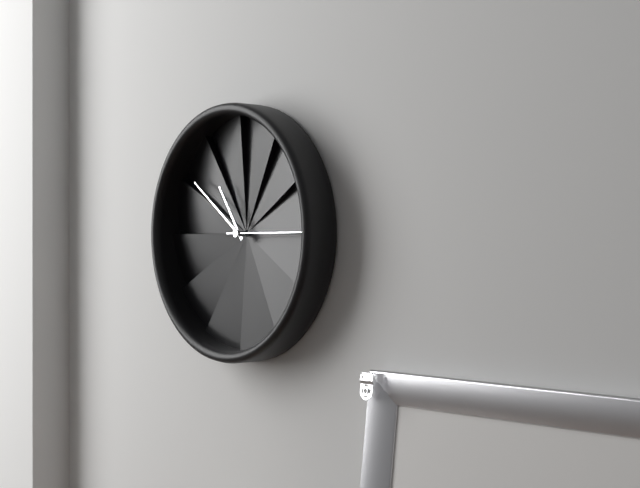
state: 10:51:15
